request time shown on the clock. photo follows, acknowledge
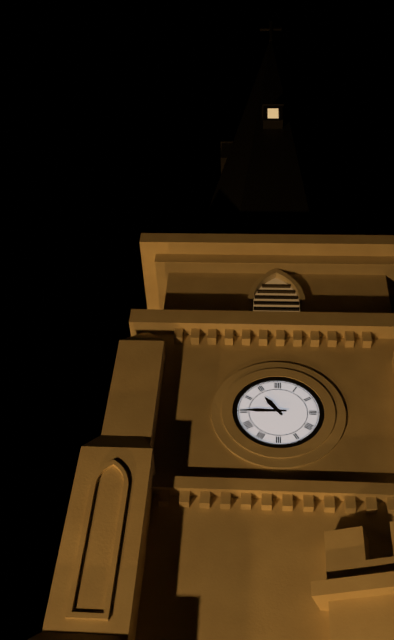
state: 10:45
